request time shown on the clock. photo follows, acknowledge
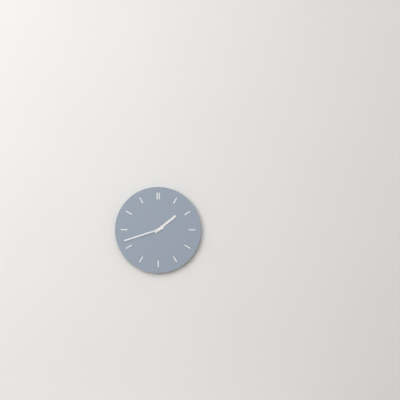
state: 1:42
